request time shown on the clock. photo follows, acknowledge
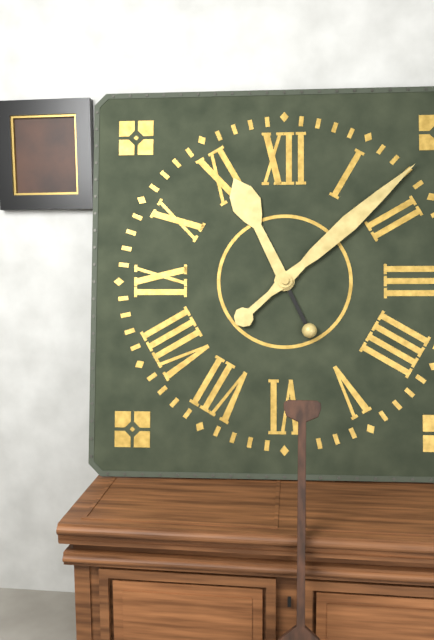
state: 11:08
